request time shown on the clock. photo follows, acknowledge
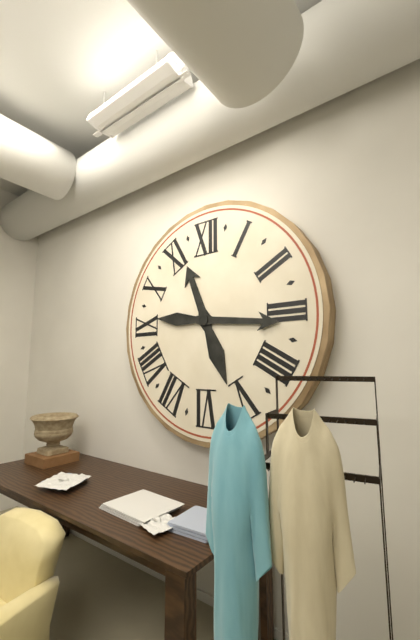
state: 11:16
